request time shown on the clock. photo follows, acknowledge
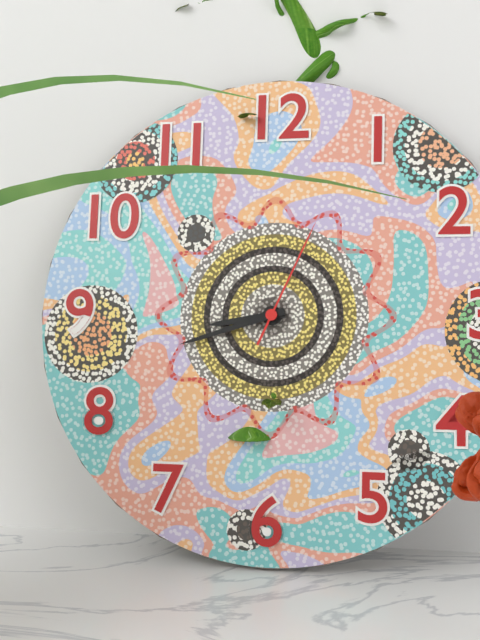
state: 8:42:04
